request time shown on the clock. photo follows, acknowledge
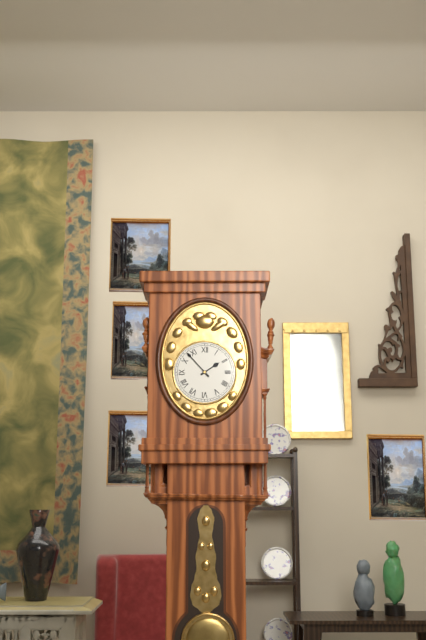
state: 1:53
